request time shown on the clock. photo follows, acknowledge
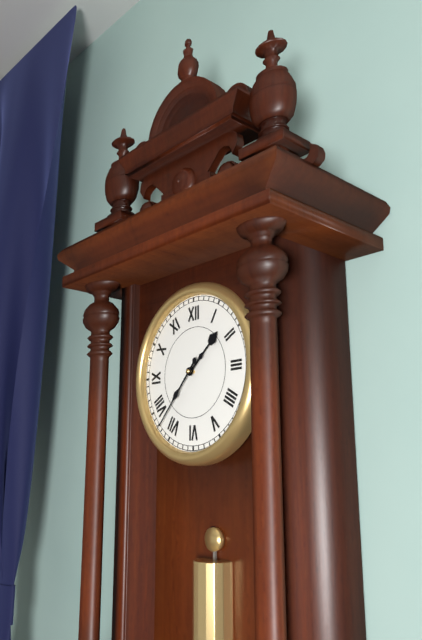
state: 1:37
